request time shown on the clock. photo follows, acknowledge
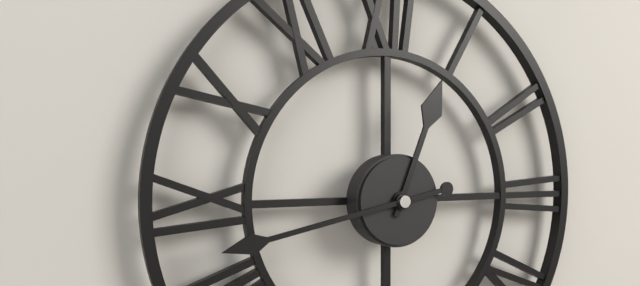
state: 12:43
